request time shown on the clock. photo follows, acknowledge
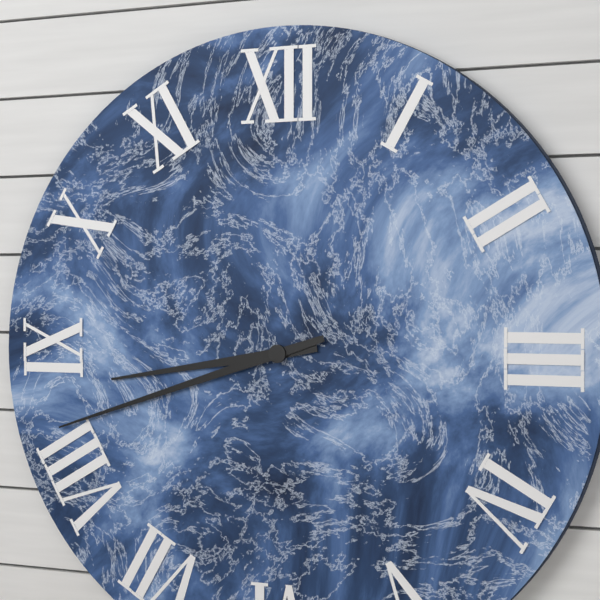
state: 8:42
